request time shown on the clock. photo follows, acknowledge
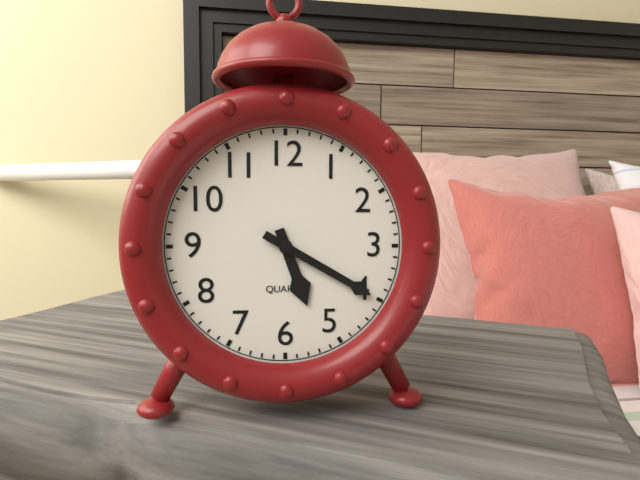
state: 5:20
